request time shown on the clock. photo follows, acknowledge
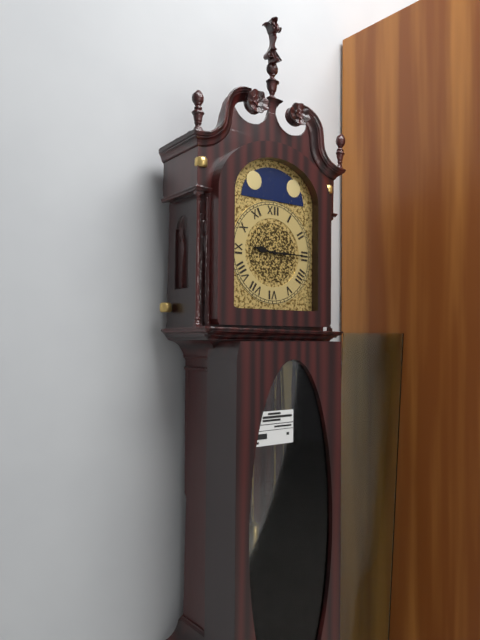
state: 9:15
